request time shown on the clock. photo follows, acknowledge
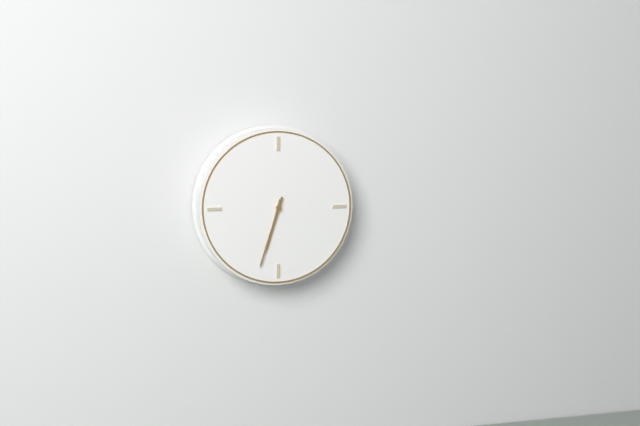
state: 6:33
